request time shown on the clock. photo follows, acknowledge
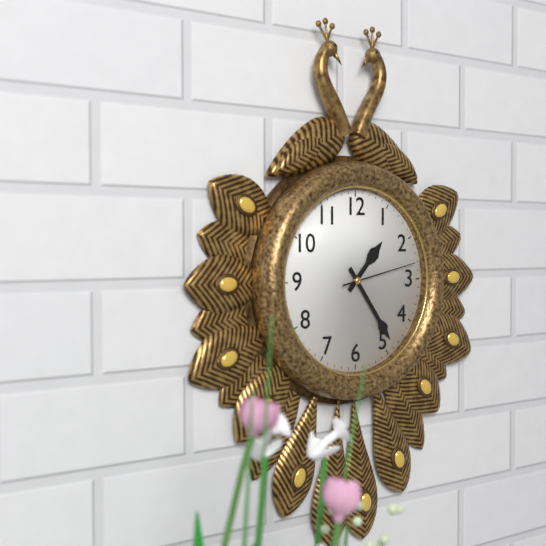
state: 1:24:13
